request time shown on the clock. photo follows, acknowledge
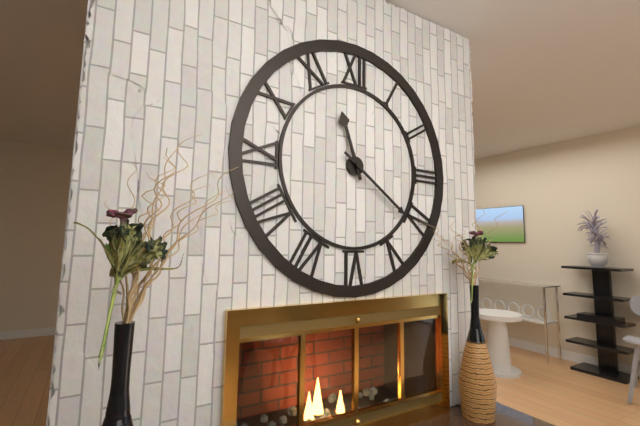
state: 11:21
